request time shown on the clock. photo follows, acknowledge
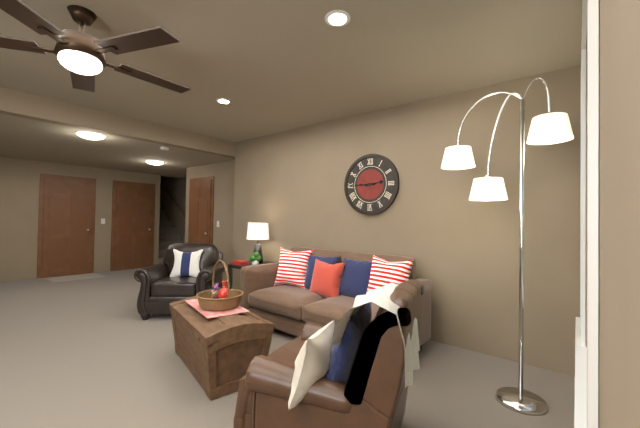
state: 2:45
